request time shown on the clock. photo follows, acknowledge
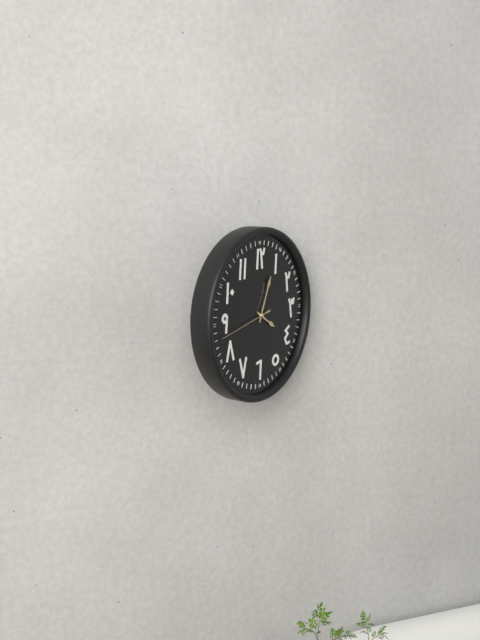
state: 4:04:43
